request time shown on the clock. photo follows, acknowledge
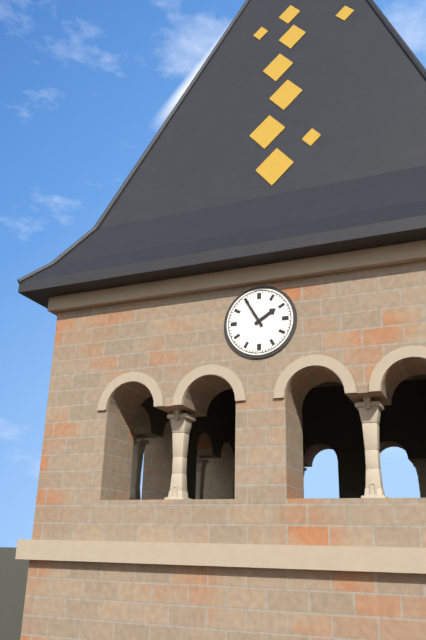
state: 1:55
